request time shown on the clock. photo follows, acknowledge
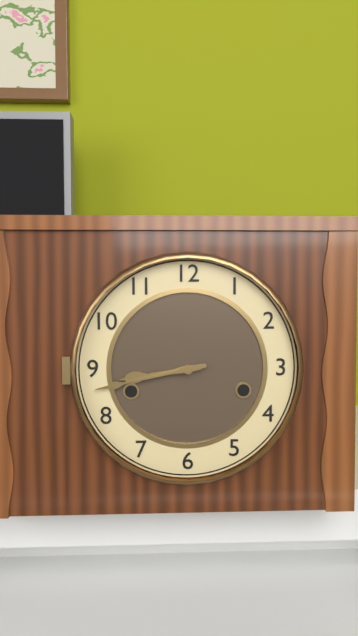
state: 8:43
